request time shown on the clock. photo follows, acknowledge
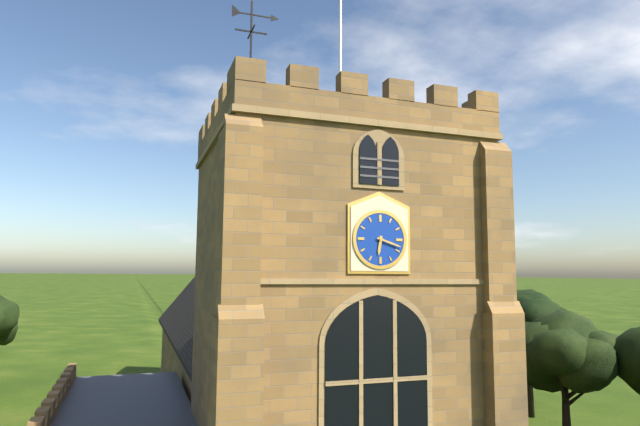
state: 6:18
